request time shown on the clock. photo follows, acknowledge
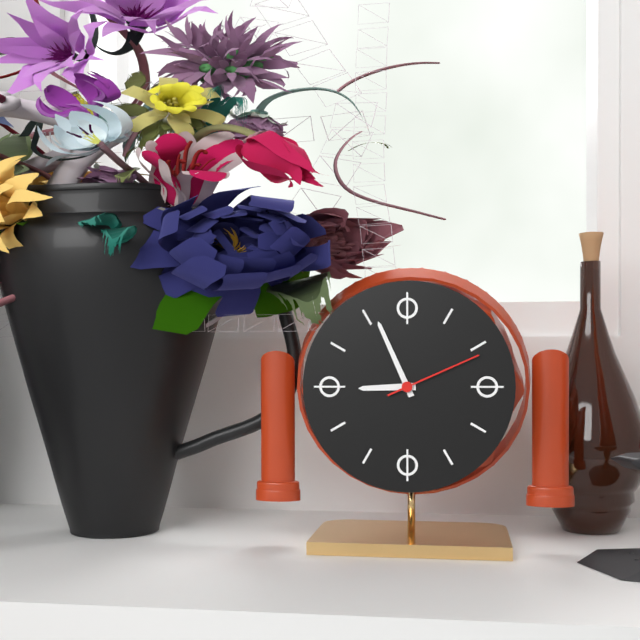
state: 8:56:11
